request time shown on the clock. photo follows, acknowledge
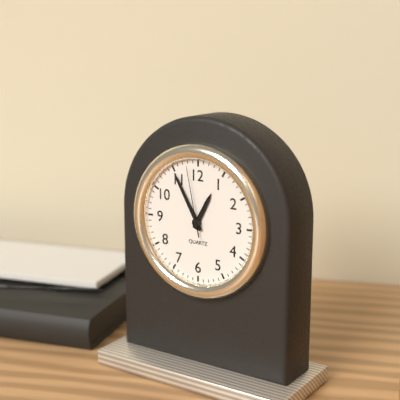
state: 12:55:58
